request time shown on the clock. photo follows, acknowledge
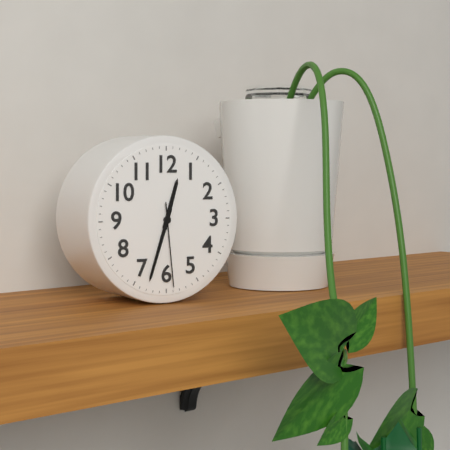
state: 12:33:29
